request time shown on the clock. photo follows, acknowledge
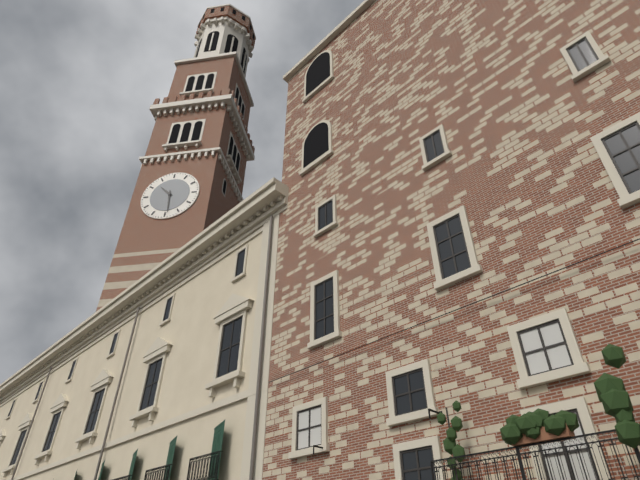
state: 10:29
